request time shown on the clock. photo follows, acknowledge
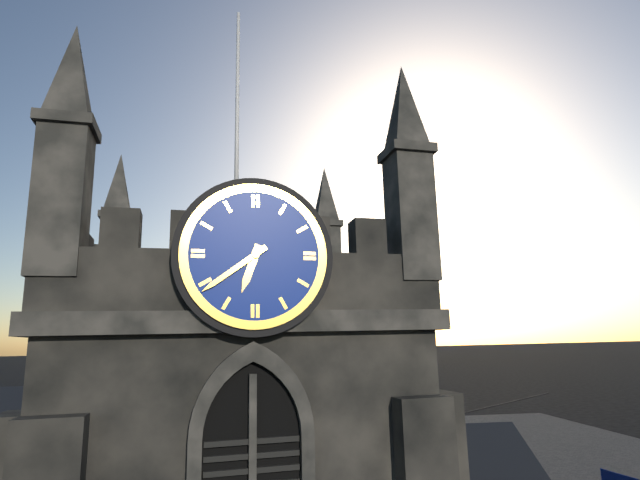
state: 6:39
